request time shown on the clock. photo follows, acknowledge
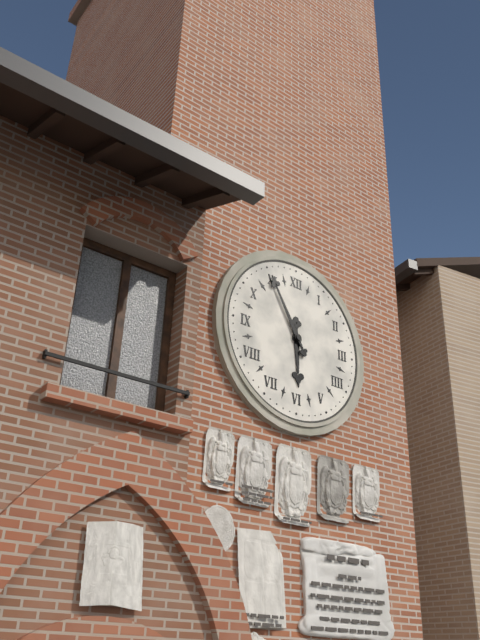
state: 5:55
